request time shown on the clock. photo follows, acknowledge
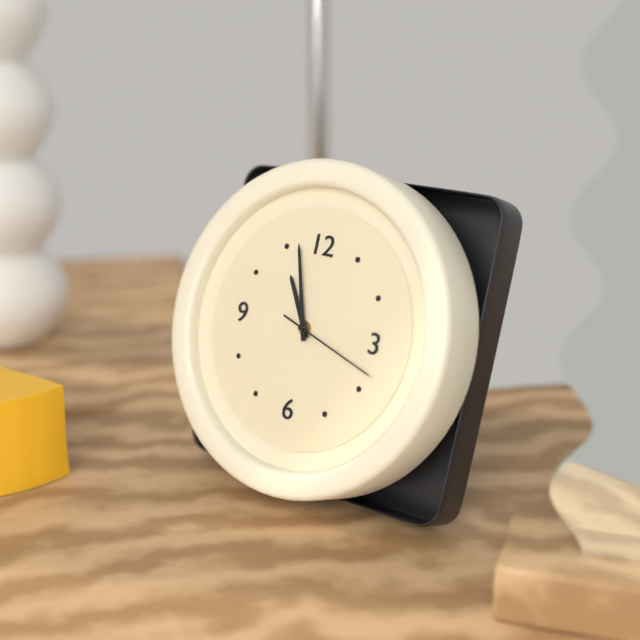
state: 10:57:18
